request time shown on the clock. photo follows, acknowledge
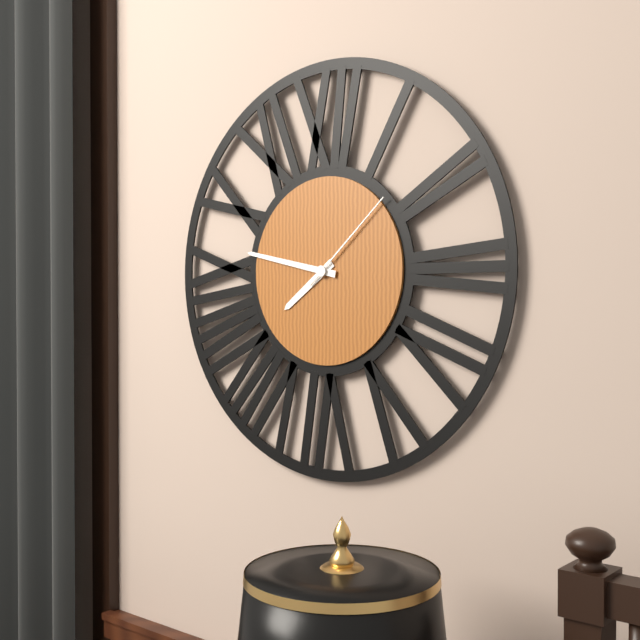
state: 7:47:08
